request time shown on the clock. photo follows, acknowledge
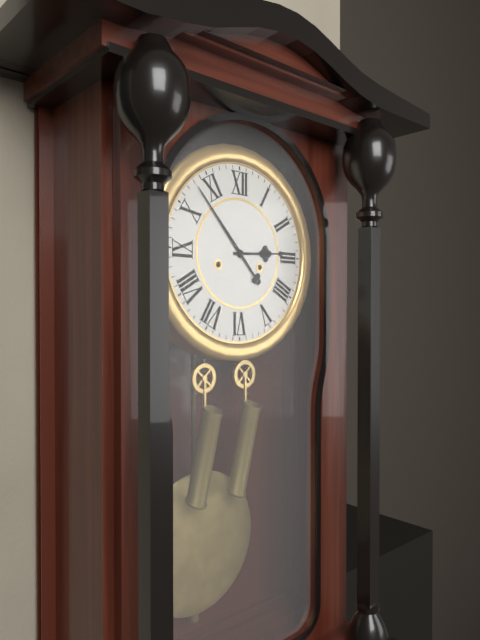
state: 2:53
